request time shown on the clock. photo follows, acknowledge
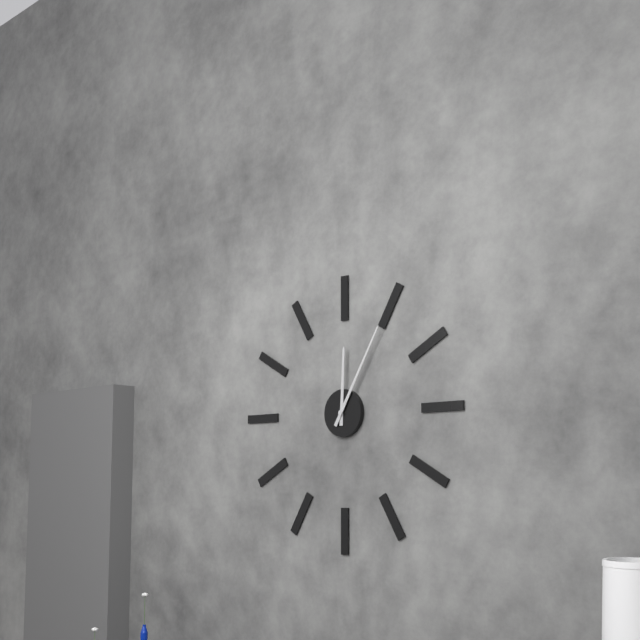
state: 12:05
